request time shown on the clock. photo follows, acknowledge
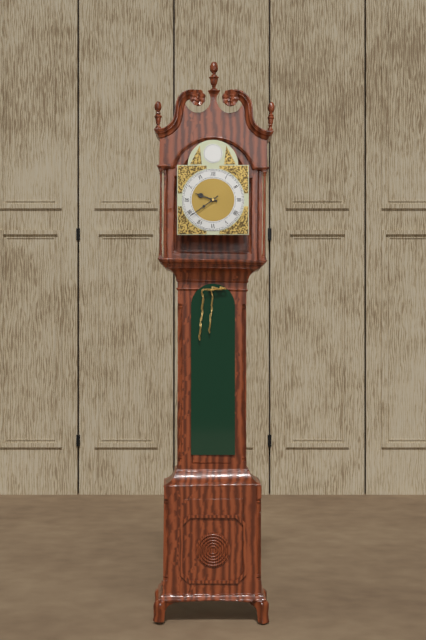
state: 9:39
